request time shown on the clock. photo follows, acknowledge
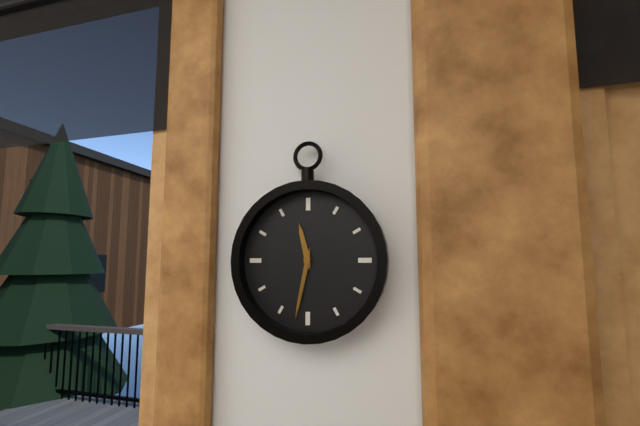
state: 11:32
